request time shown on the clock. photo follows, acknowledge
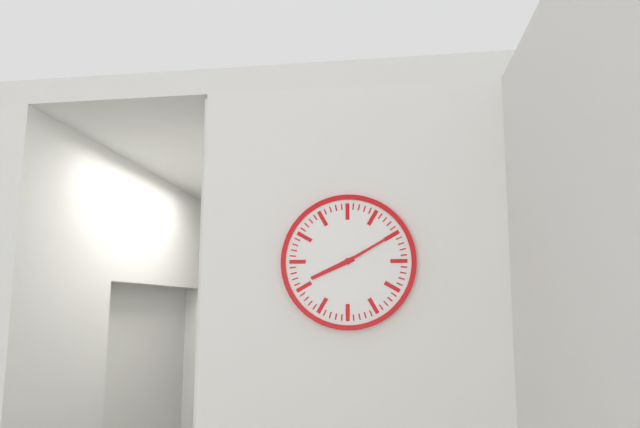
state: 8:10
